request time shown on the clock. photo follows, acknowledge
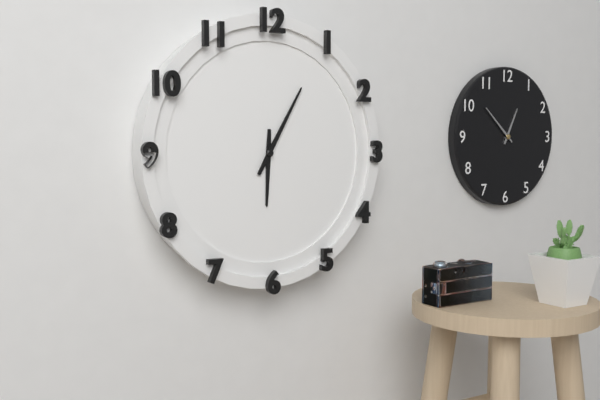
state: 6:05
